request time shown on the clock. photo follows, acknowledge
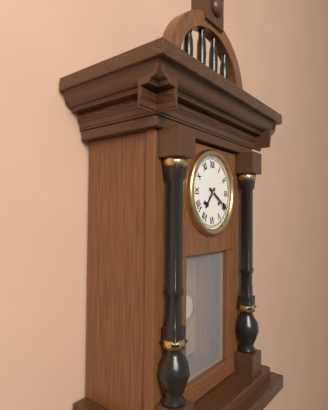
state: 7:20
